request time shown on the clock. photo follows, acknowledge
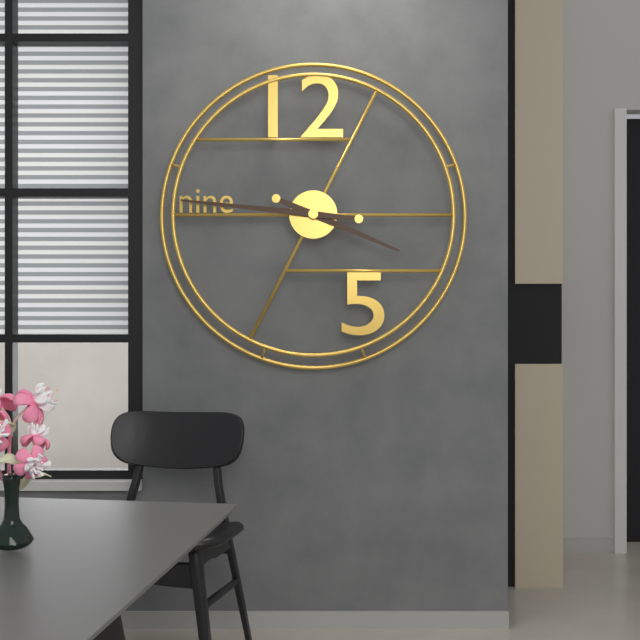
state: 3:46
